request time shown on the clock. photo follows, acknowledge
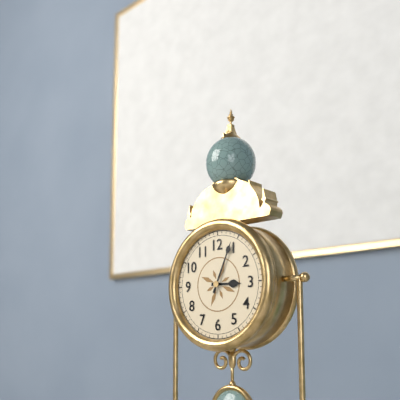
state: 3:04
